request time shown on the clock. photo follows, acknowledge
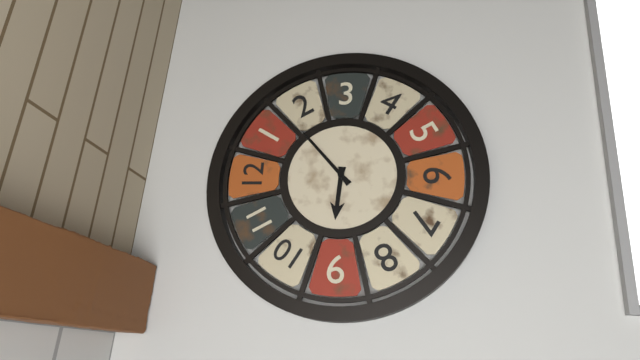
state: 9:08
